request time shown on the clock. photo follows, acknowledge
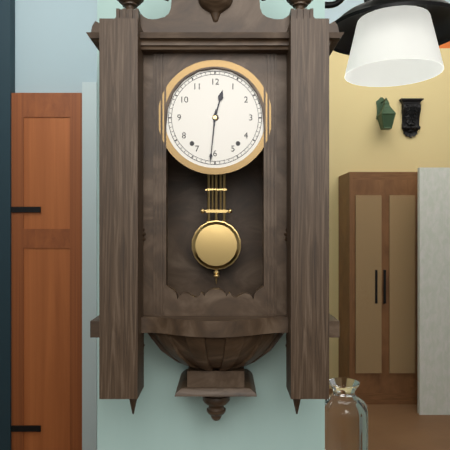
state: 12:31
